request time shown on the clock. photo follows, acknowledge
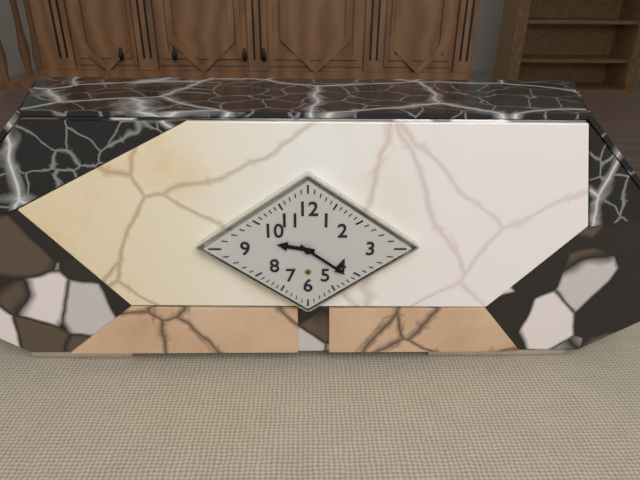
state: 9:21
